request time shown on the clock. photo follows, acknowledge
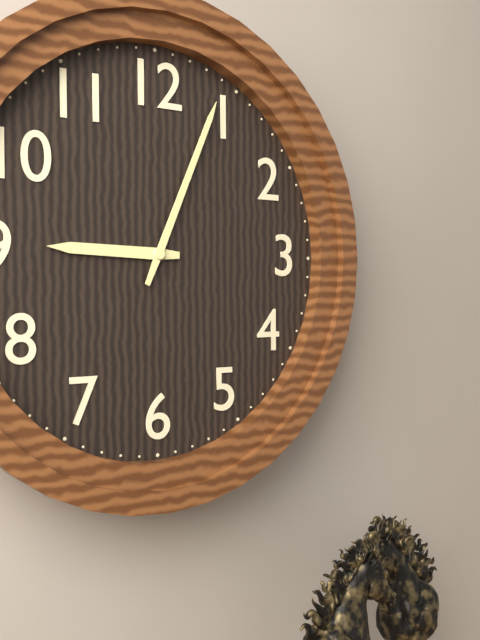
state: 9:04
